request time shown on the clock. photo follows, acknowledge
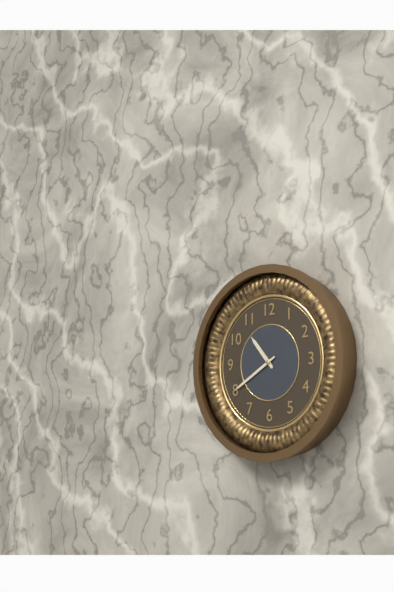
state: 10:40
